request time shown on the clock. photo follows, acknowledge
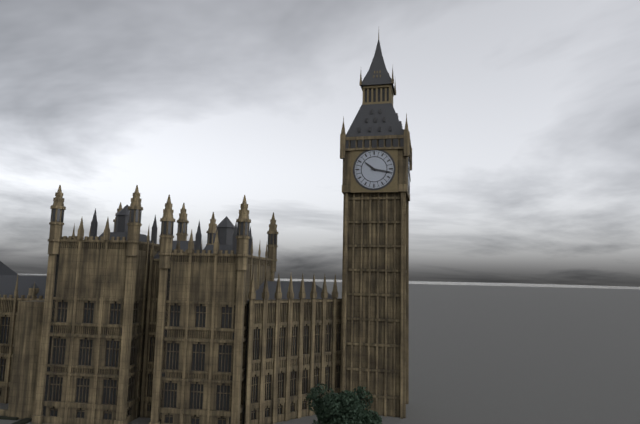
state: 10:17
